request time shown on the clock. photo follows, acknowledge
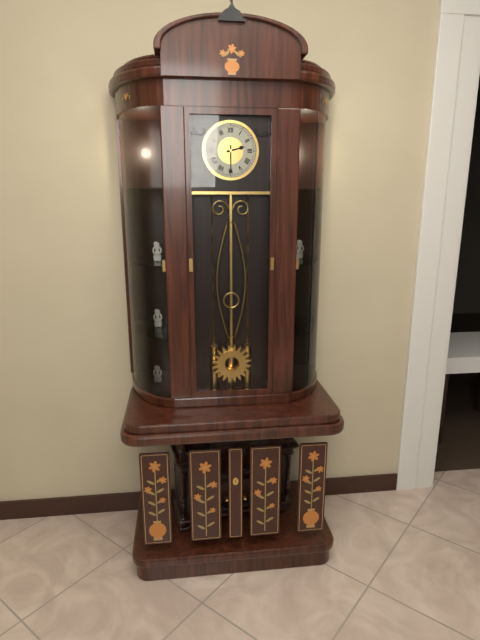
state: 2:30
